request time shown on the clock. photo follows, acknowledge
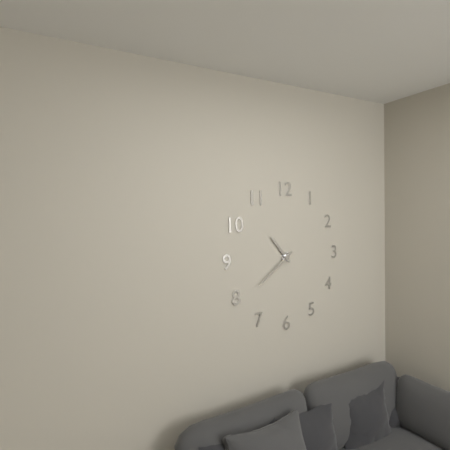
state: 10:39
